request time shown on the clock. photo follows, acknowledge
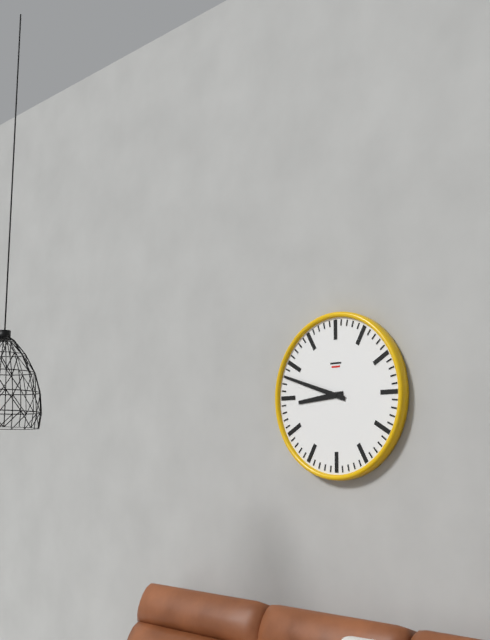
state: 8:48
